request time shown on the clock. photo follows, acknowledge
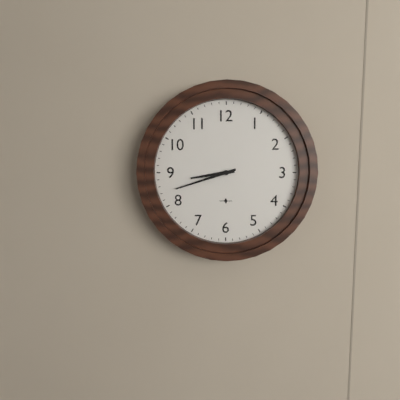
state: 8:42
